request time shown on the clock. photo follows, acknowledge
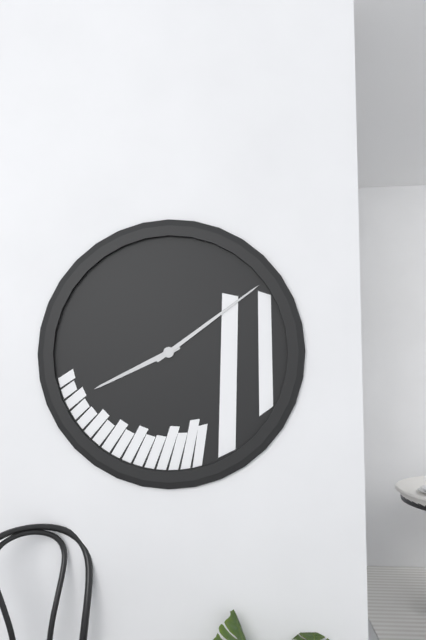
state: 8:09
